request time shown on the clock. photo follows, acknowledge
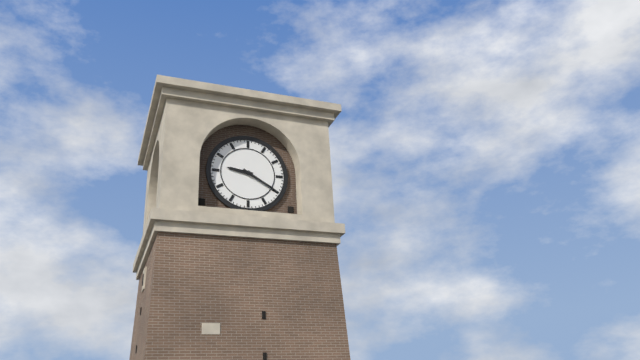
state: 9:20
